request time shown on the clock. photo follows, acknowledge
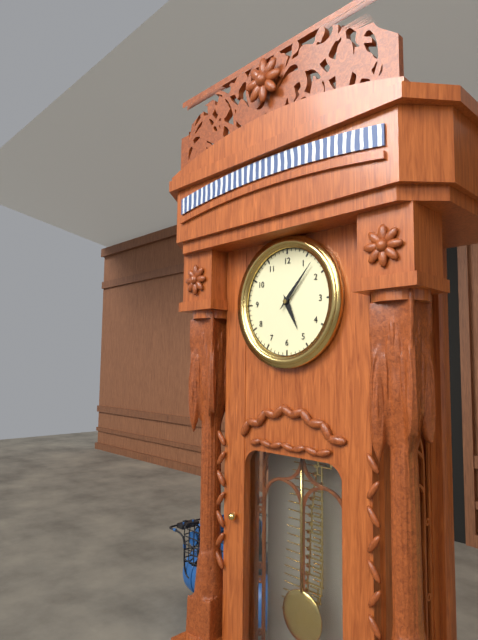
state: 5:07
